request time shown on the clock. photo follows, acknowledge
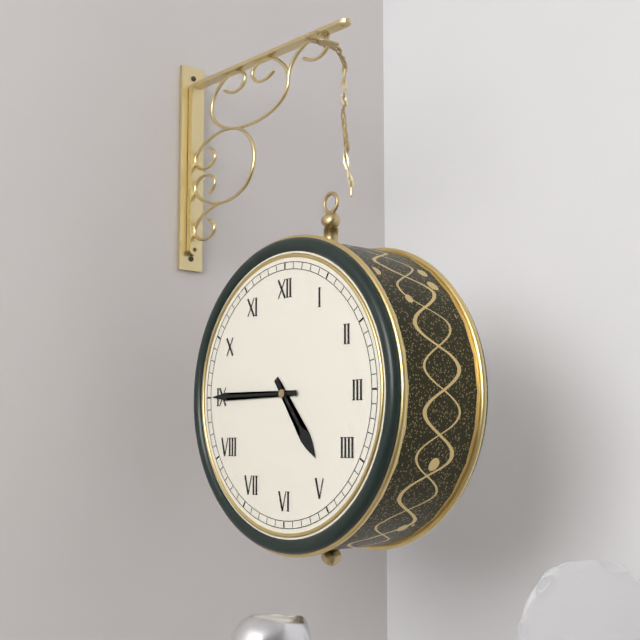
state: 4:45
